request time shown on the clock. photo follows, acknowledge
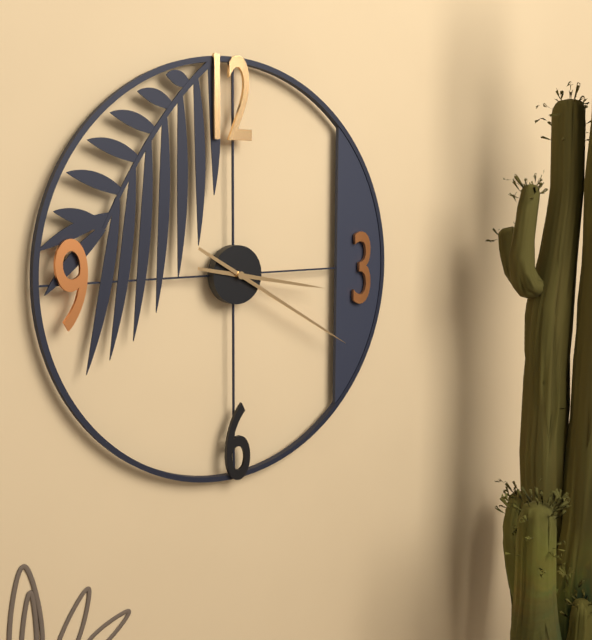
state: 3:20
